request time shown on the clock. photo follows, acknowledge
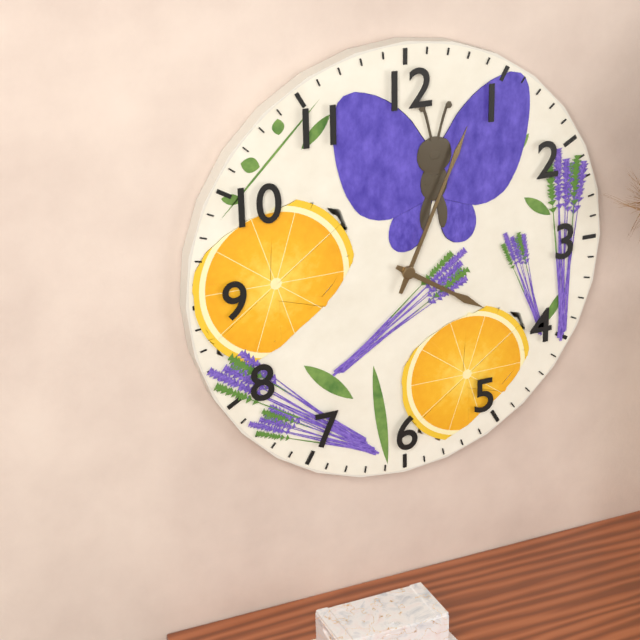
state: 4:04
